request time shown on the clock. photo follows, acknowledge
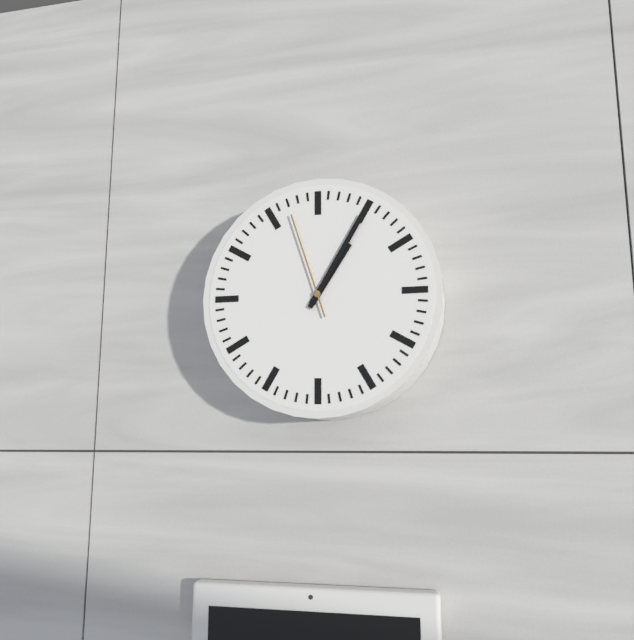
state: 1:05:57
